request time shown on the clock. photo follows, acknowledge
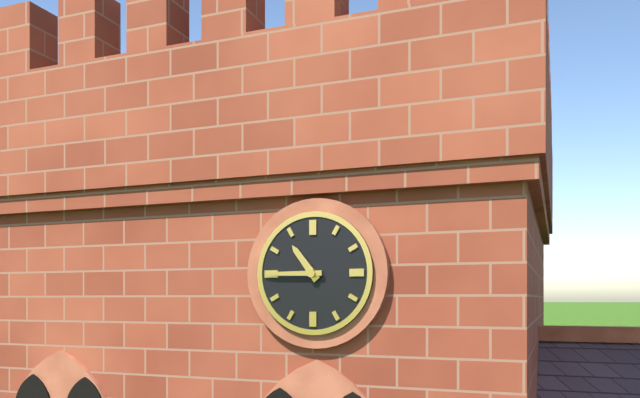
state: 10:45
